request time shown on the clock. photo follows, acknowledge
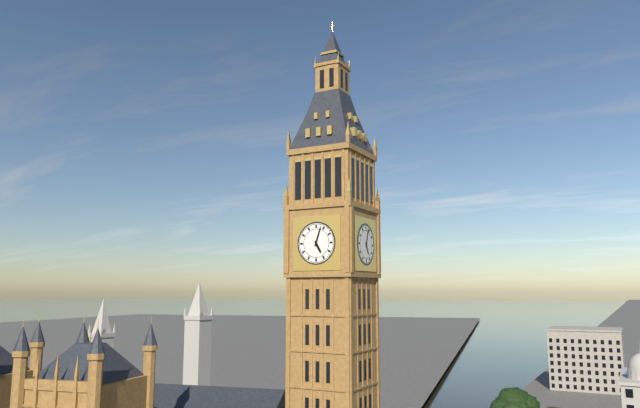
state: 5:03
